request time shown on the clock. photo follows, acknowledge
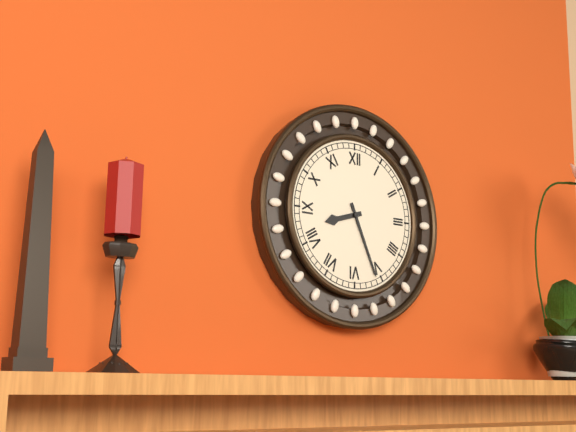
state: 8:26
